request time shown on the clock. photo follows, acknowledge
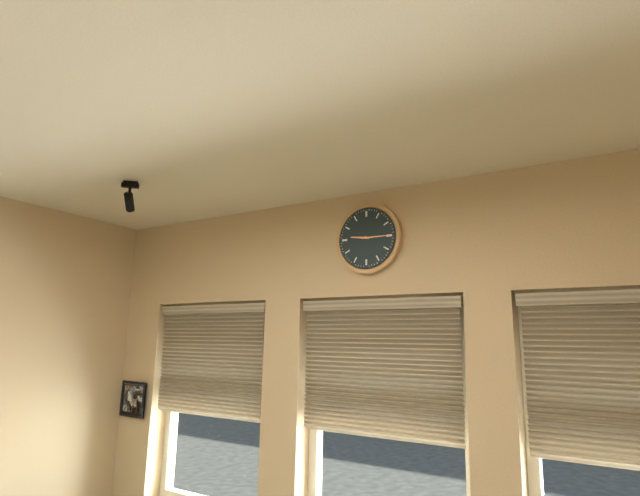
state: 9:15
